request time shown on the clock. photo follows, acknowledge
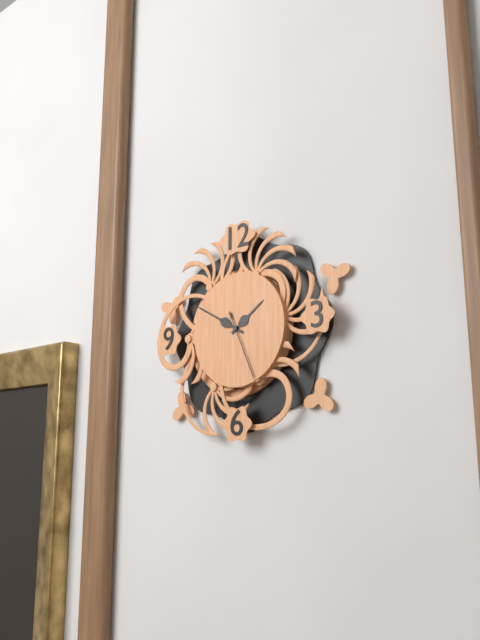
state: 1:50:26
